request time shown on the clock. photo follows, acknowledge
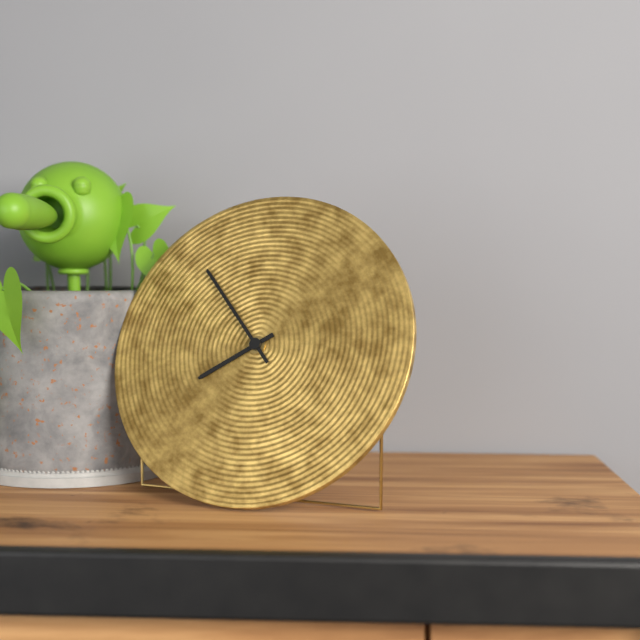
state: 7:53
